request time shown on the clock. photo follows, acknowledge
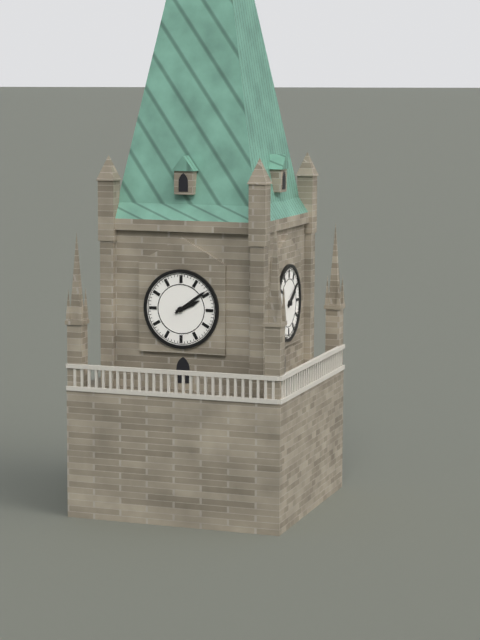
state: 2:09
